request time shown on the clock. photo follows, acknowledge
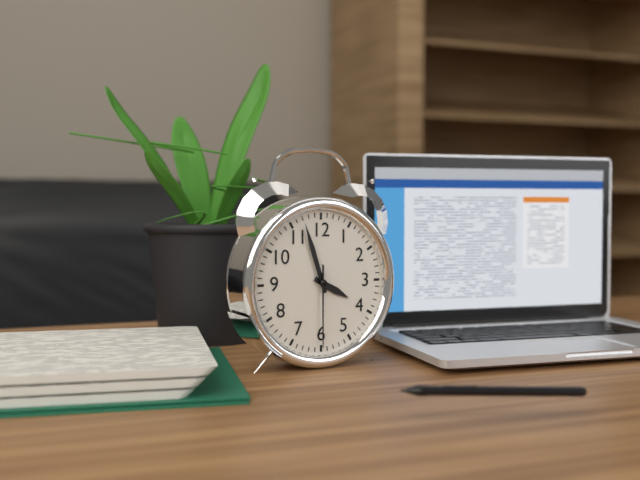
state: 3:57:30
